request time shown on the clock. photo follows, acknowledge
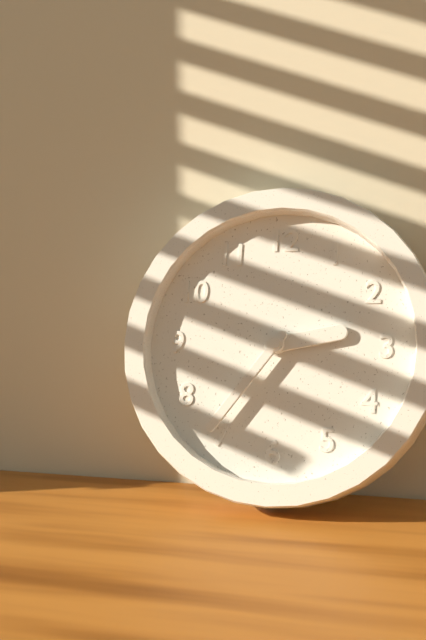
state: 2:36
